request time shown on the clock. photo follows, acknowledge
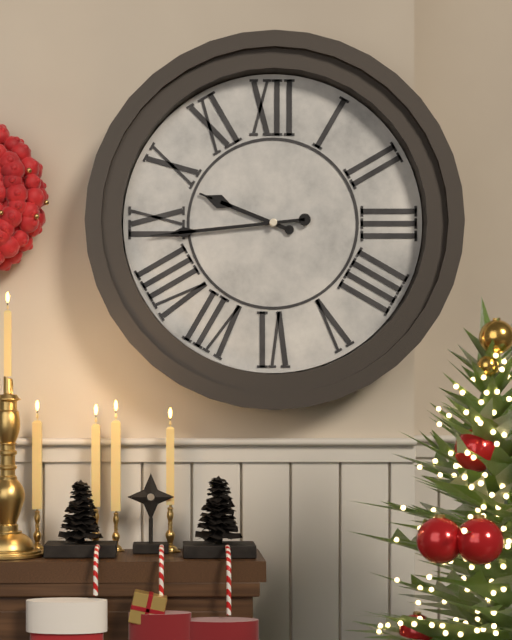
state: 9:44
